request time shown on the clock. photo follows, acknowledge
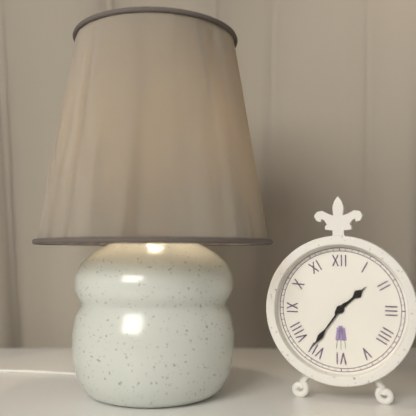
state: 1:36
